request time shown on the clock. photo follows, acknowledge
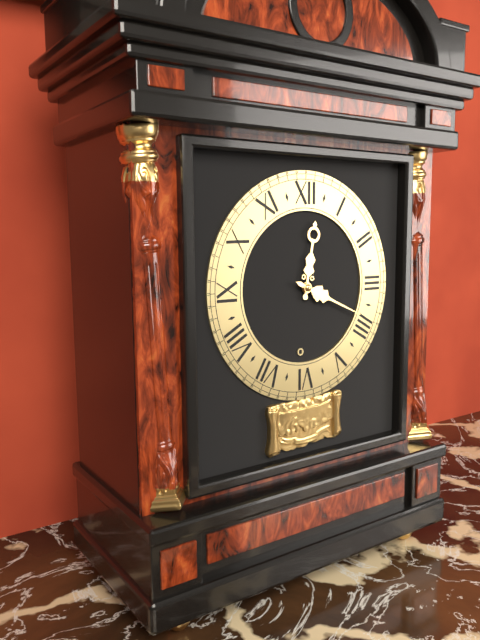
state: 12:19
